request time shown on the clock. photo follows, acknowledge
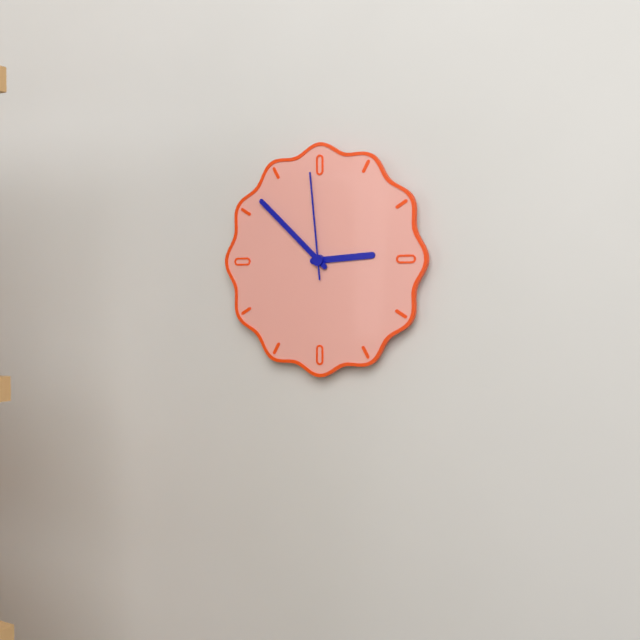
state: 2:52:59
